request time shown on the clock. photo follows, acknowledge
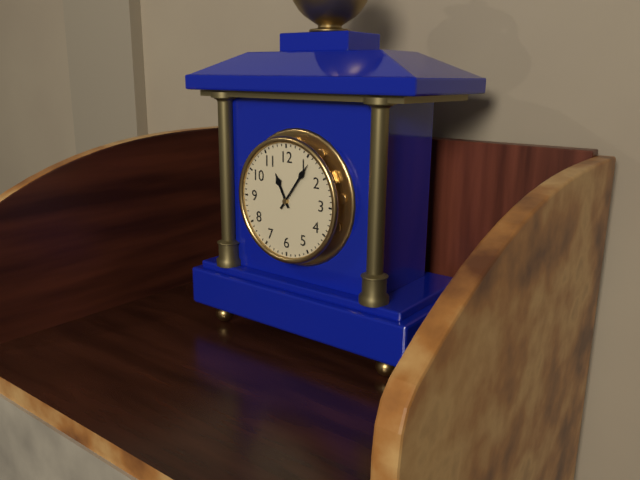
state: 11:06
